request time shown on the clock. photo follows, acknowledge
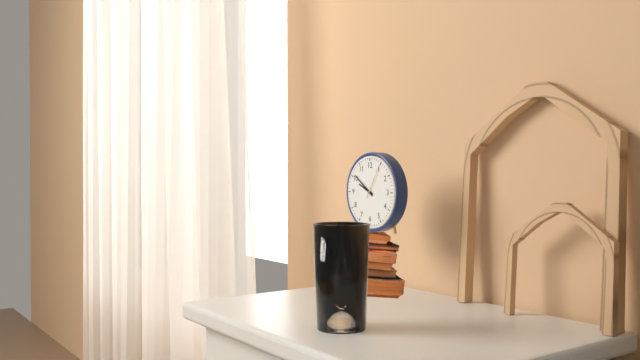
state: 9:51
